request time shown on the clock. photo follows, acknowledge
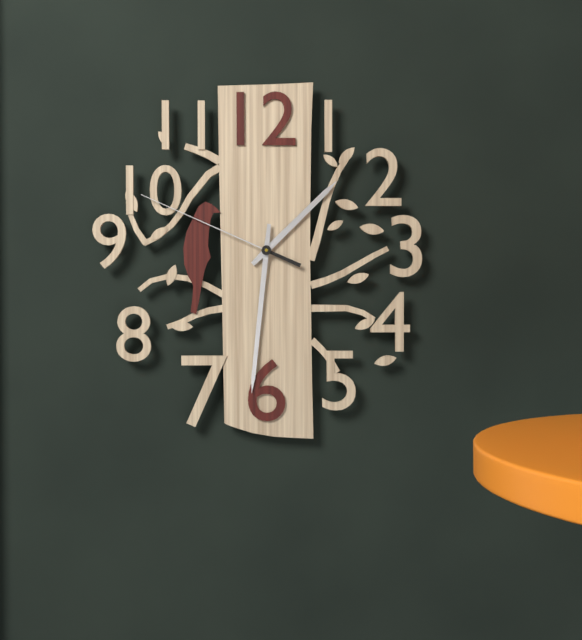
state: 1:31:49
